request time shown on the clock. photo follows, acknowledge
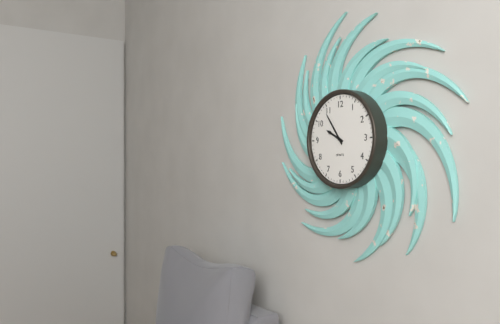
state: 9:54
